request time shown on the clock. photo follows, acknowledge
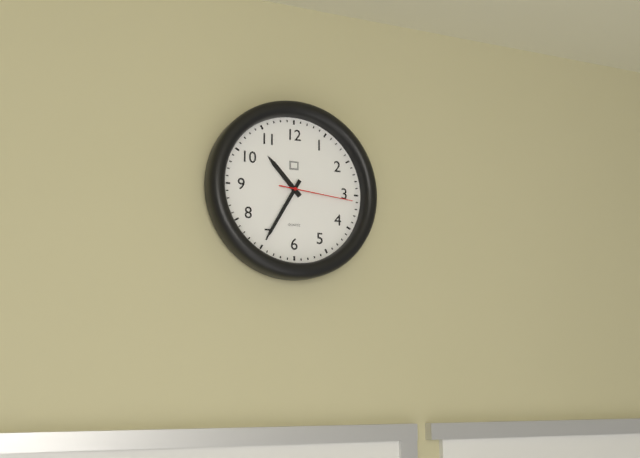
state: 10:35:16
